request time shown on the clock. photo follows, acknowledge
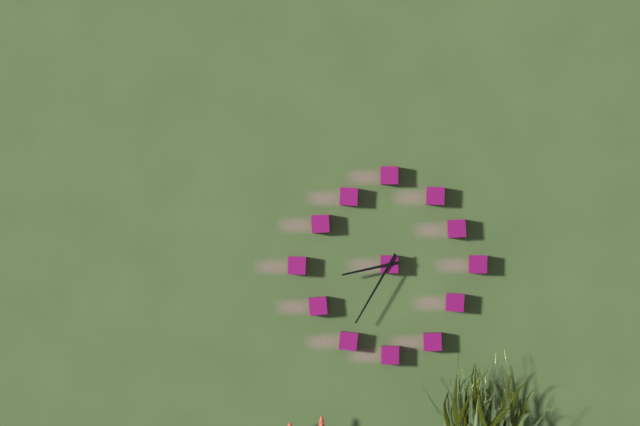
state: 8:35
